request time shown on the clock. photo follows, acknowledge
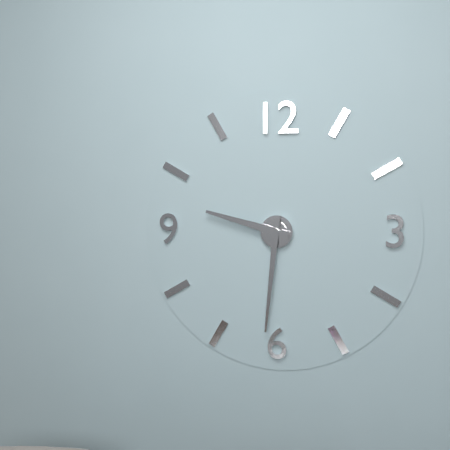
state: 9:31
